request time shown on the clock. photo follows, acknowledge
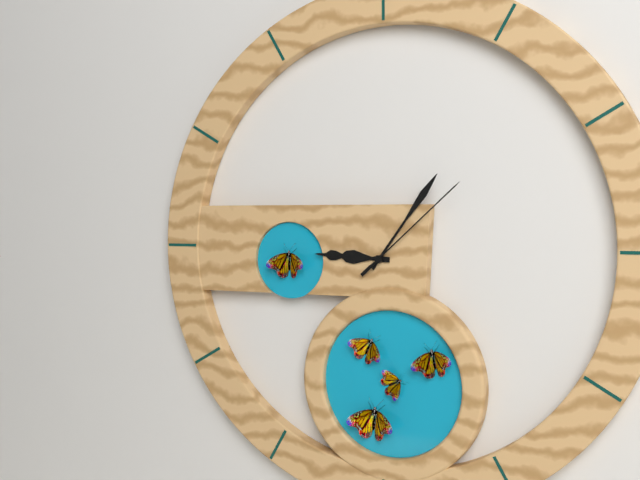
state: 9:06:08
